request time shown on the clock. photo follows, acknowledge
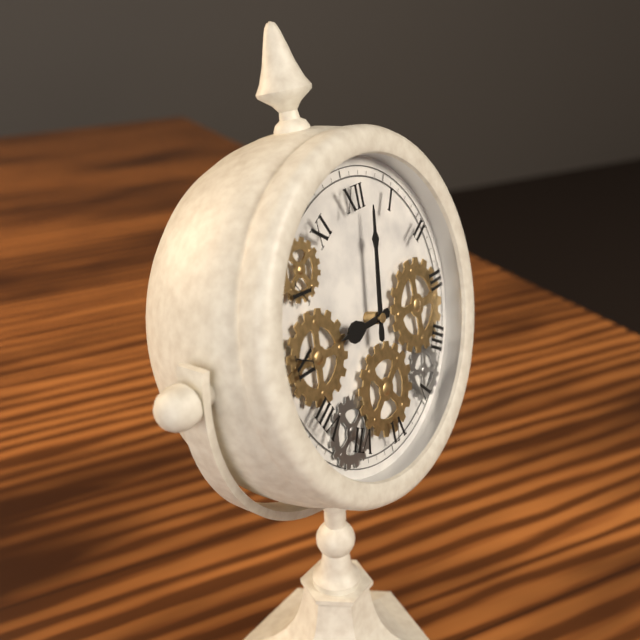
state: 9:02
